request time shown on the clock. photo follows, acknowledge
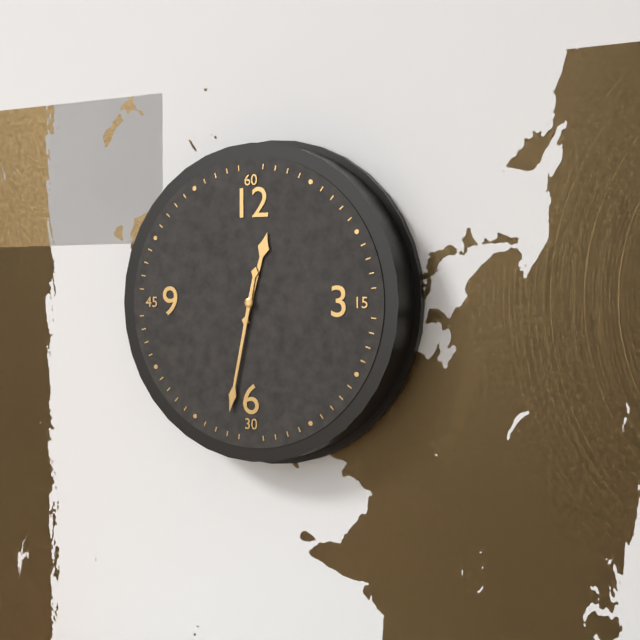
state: 12:32
